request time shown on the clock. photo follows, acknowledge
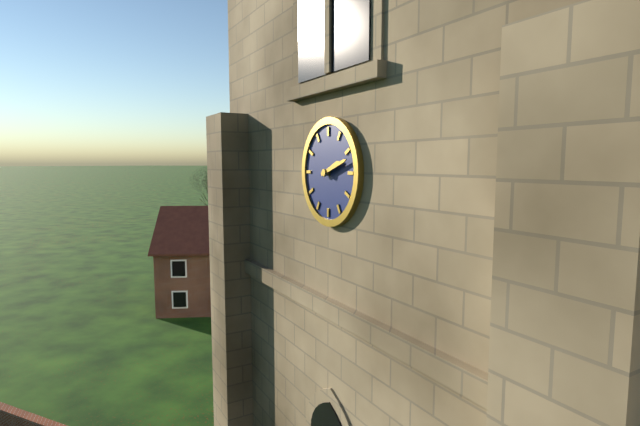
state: 2:12
